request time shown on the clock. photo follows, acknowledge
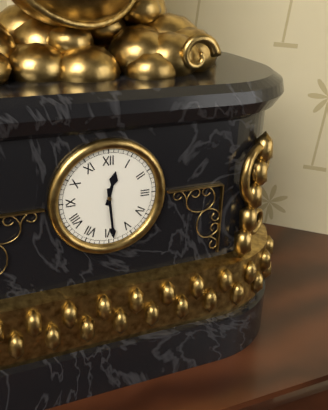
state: 12:29
